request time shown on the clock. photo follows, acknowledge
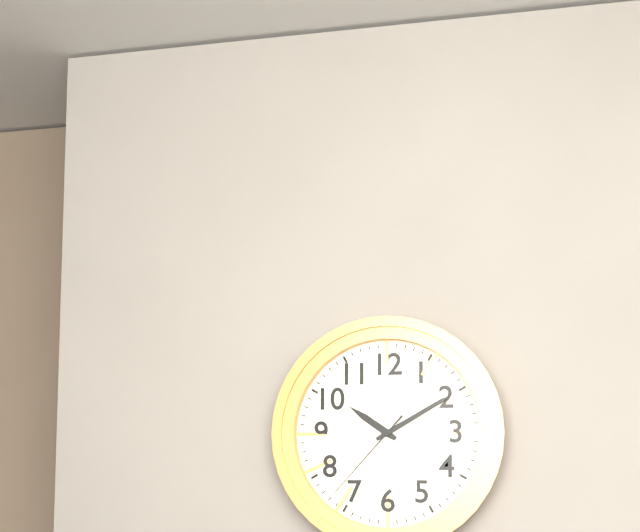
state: 10:10:37
